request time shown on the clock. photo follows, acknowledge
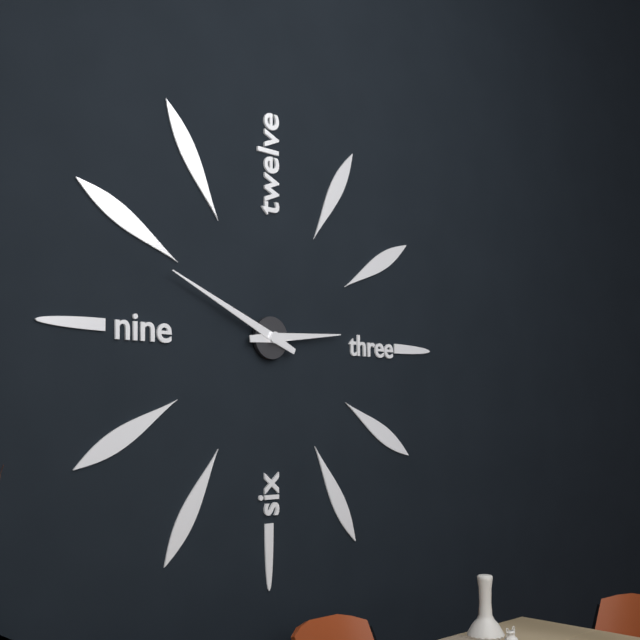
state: 2:49
